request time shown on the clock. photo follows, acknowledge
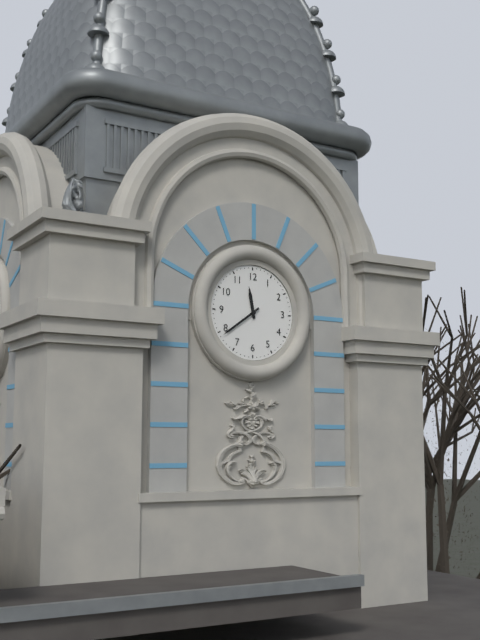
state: 11:39
